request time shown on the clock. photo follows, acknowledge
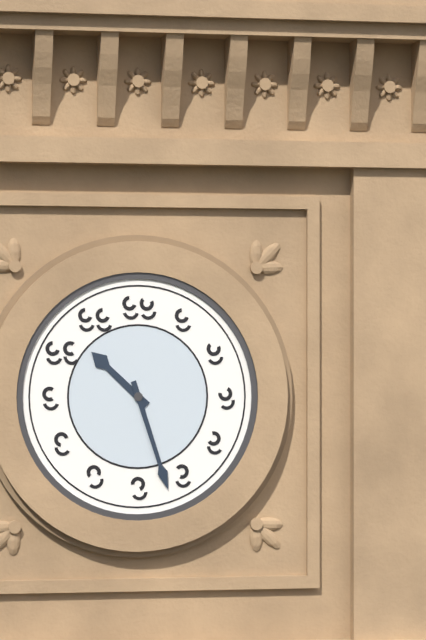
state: 10:27
